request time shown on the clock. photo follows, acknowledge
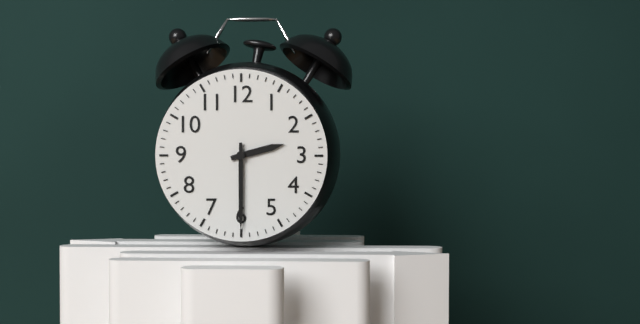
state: 2:30
